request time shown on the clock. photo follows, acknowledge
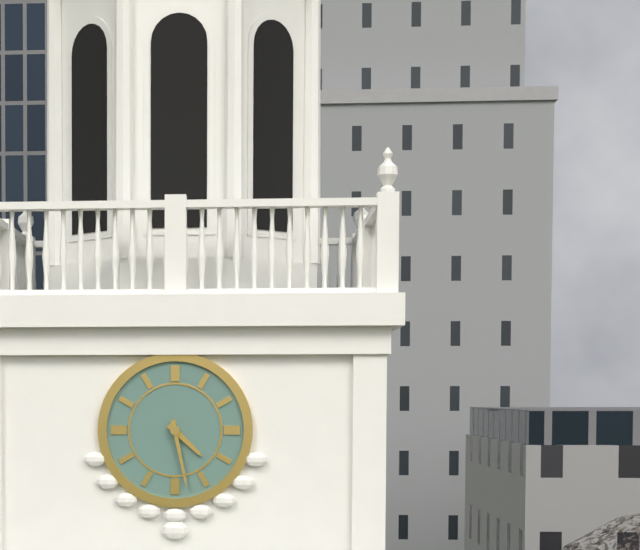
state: 4:28
